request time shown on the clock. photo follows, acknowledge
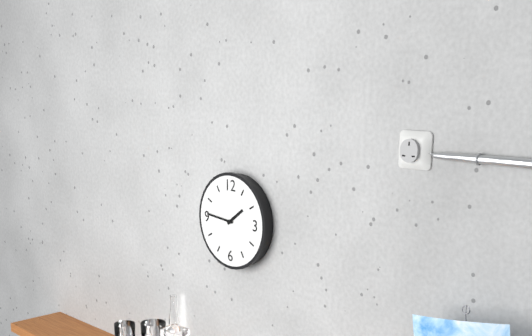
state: 1:46
